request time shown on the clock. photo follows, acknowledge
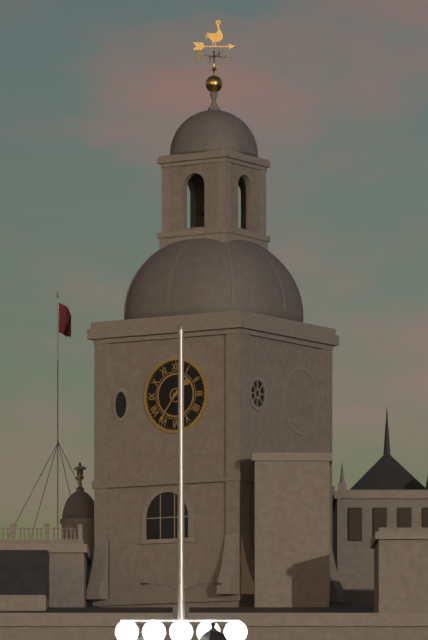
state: 1:36
